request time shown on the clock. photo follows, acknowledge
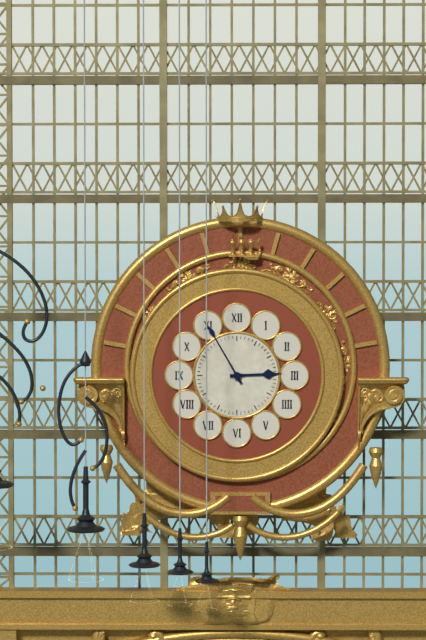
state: 2:55
